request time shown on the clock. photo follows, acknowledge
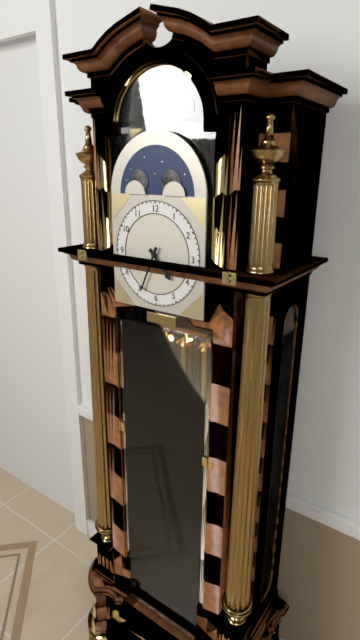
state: 4:34
